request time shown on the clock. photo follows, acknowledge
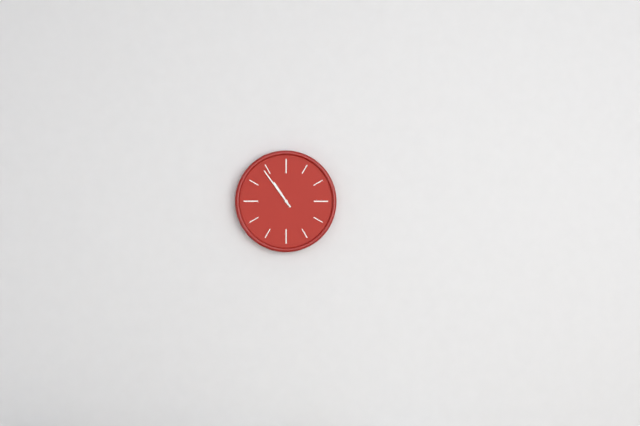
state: 10:54
